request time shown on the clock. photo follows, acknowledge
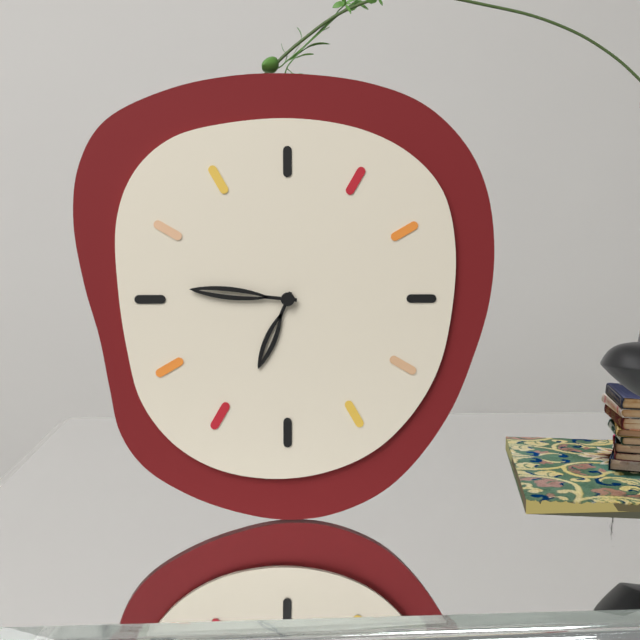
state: 6:46
